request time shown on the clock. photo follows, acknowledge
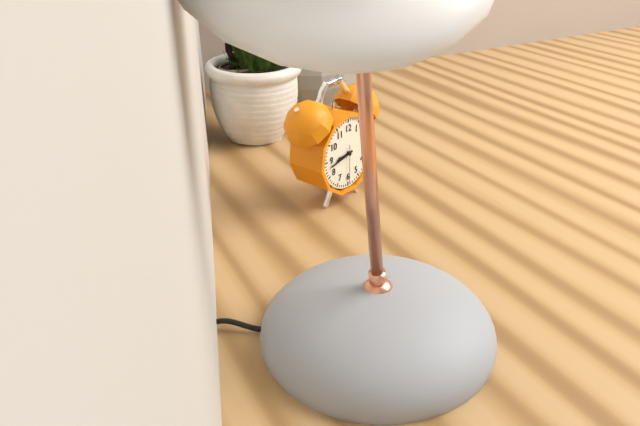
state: 8:43
